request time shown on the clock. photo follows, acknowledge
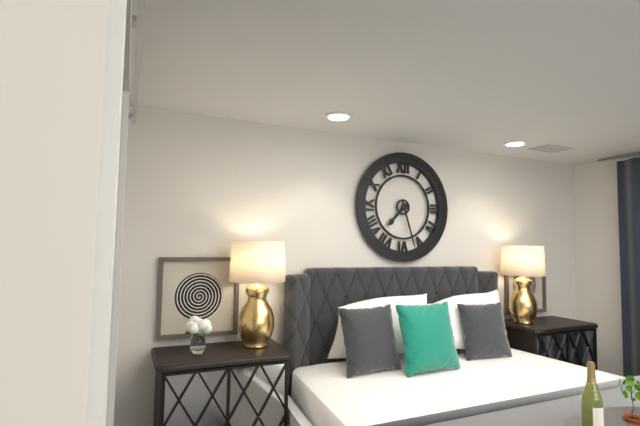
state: 7:27
